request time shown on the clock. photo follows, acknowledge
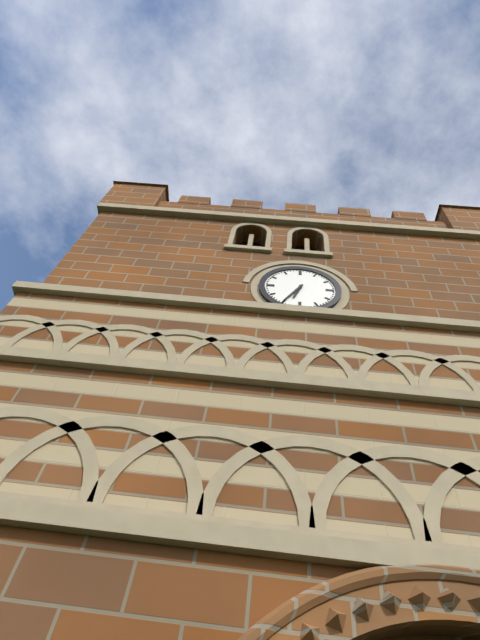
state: 6:35
